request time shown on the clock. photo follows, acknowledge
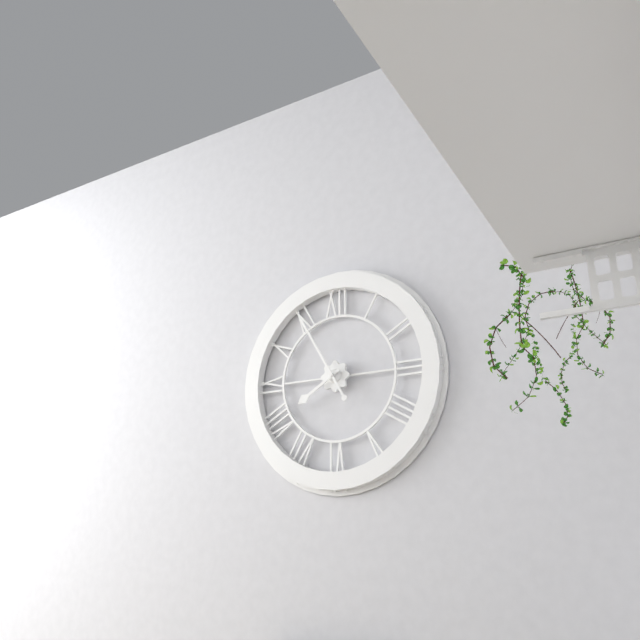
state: 7:55
